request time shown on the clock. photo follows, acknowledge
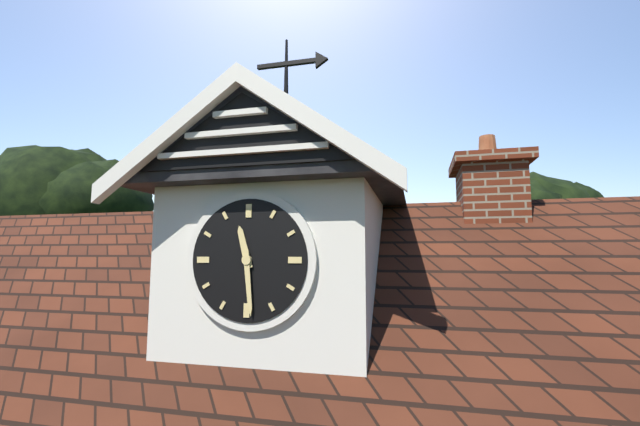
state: 11:29
